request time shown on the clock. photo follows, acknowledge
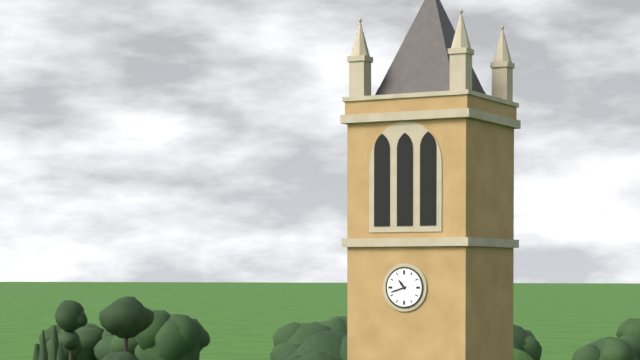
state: 10:42
